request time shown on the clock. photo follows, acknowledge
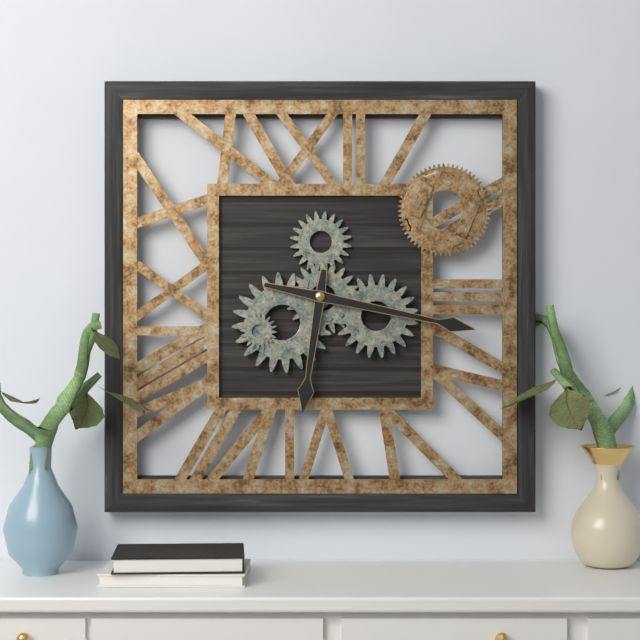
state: 6:17
